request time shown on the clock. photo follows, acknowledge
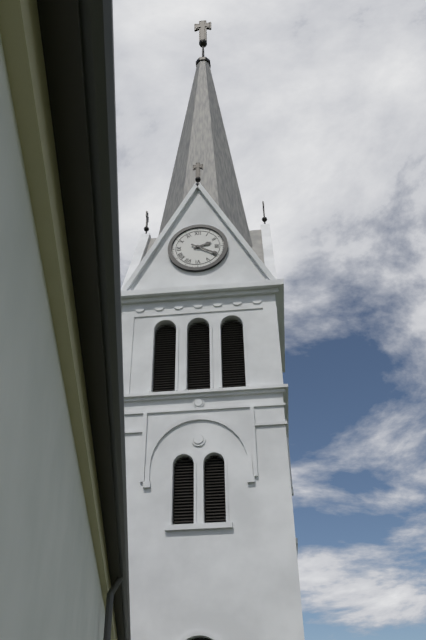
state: 2:20
